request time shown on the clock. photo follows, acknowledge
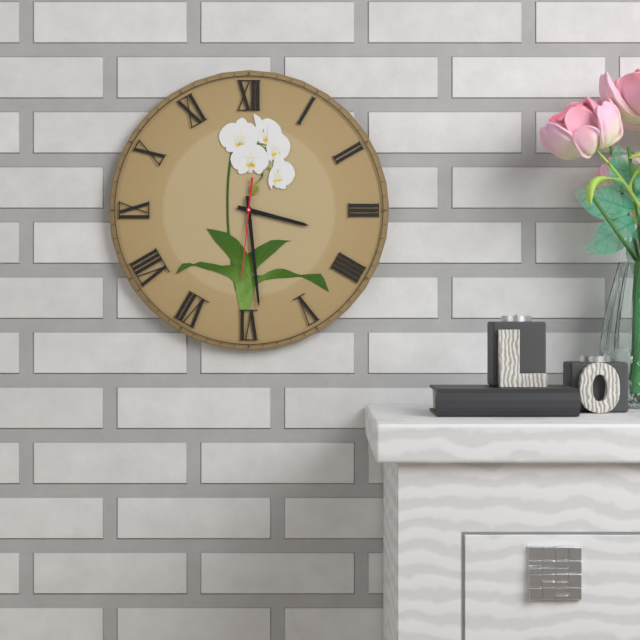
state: 3:29:31
